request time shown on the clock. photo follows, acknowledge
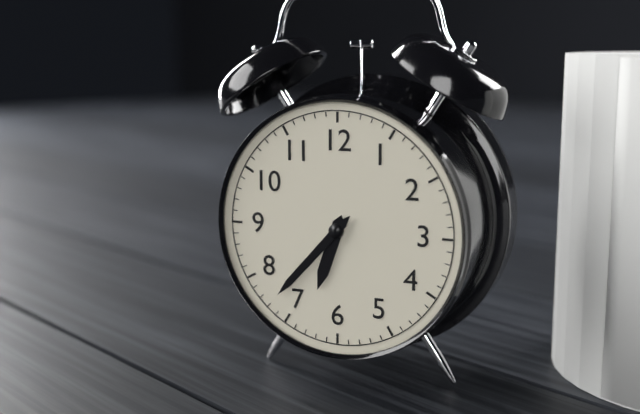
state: 6:37
